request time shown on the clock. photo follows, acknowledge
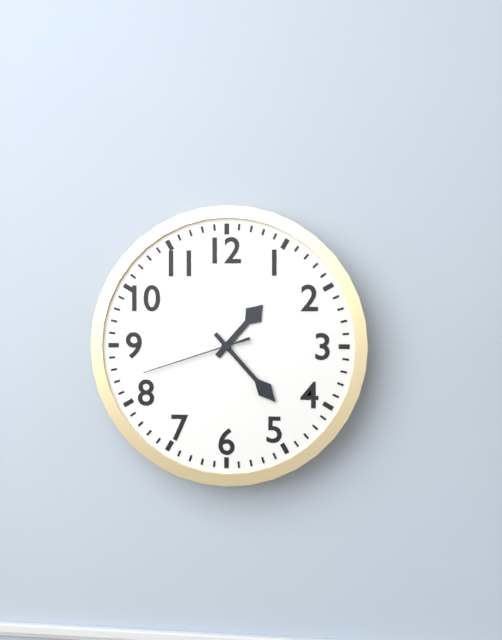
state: 1:23:42
